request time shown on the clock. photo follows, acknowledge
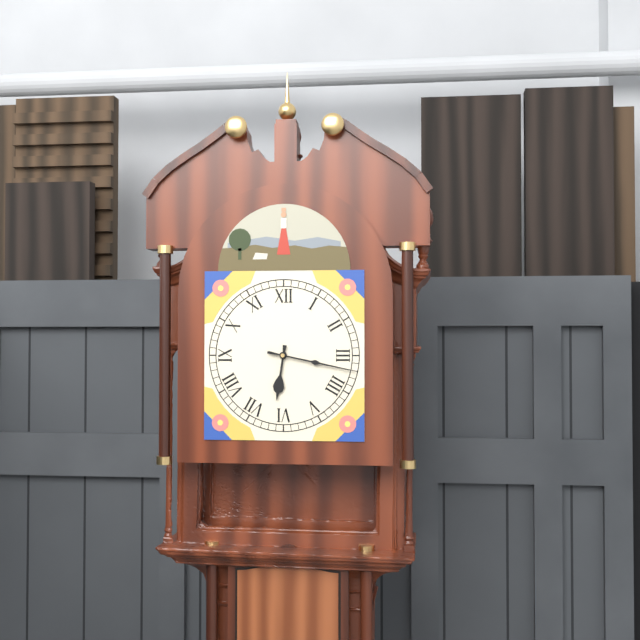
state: 6:17
